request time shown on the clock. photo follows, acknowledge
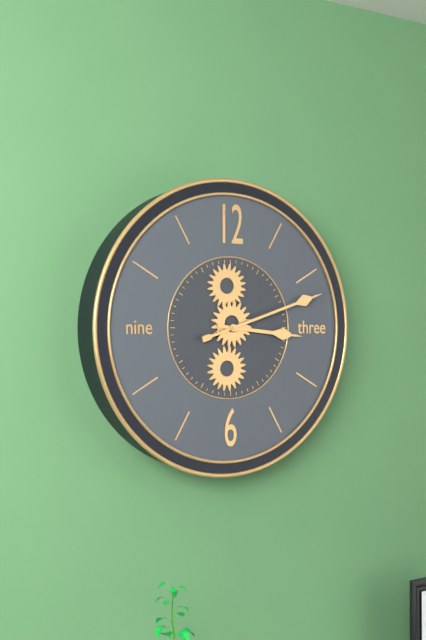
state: 3:12
